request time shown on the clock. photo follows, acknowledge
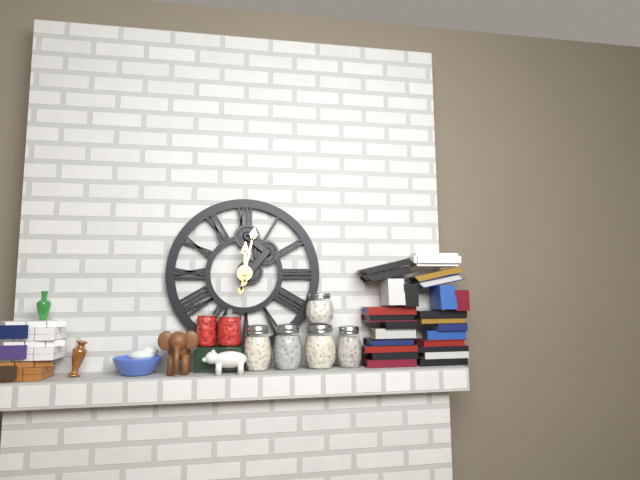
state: 12:02
